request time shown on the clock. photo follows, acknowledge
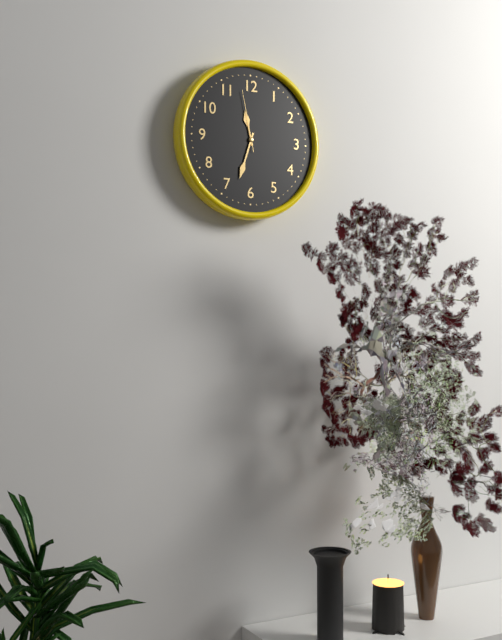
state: 11:33:58
